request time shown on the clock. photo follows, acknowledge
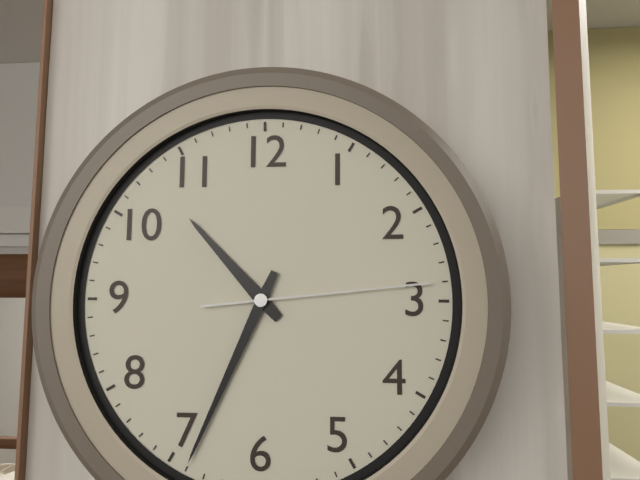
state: 10:34:14
